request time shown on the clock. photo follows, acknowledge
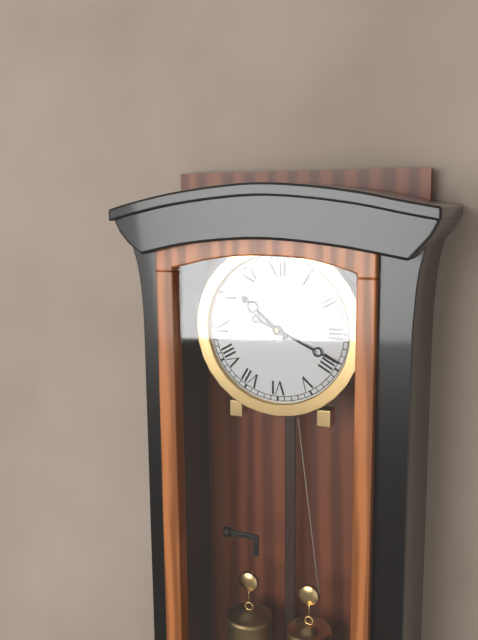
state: 10:19
